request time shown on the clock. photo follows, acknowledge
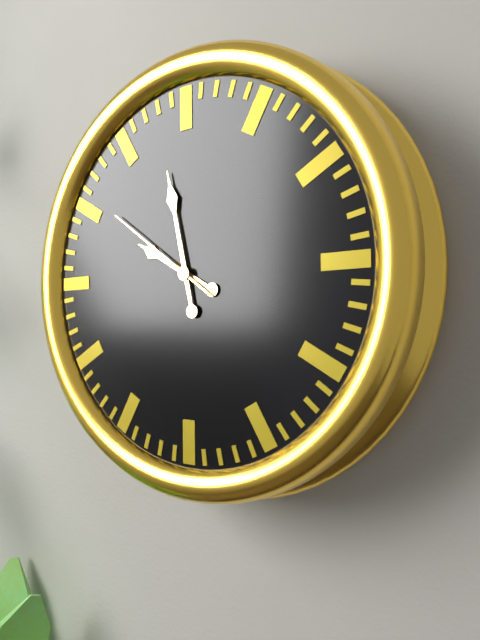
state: 9:58:51
